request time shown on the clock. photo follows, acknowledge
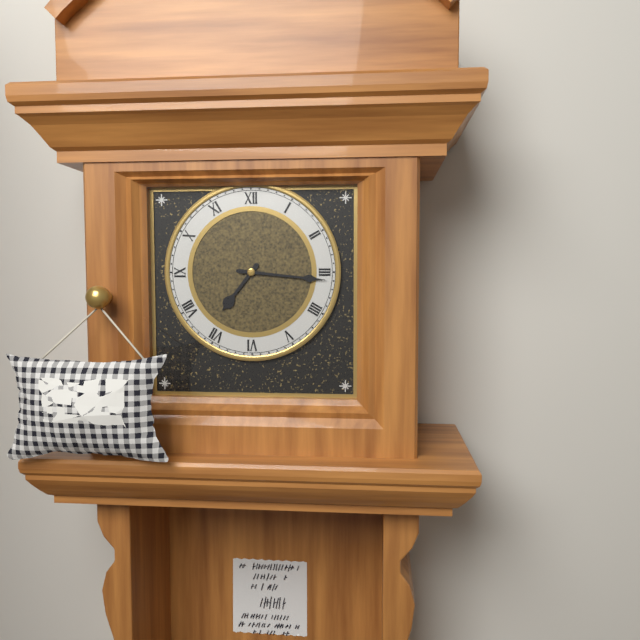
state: 7:16
